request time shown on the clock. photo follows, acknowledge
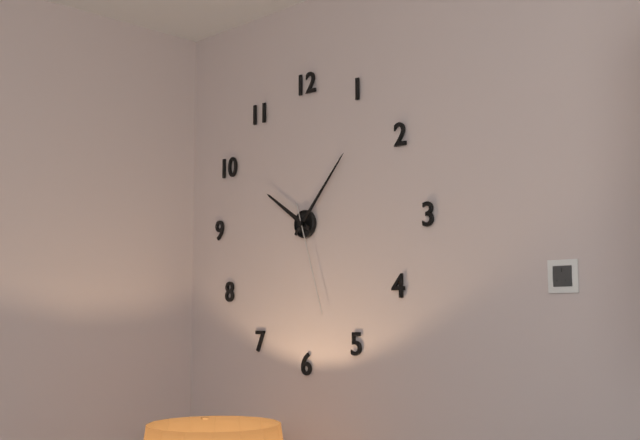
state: 10:07:27
